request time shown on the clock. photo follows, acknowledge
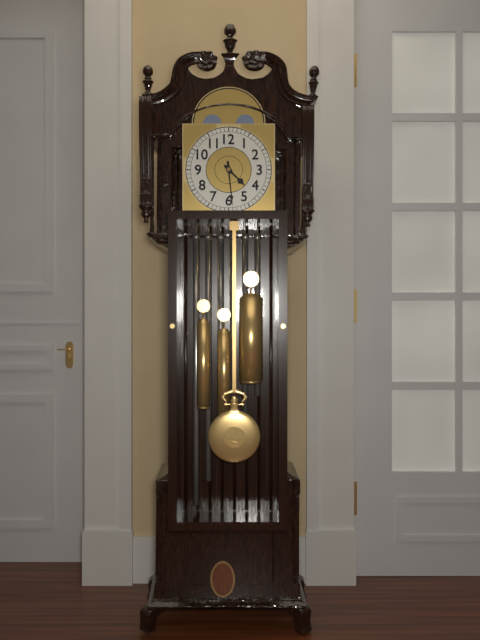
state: 4:29
